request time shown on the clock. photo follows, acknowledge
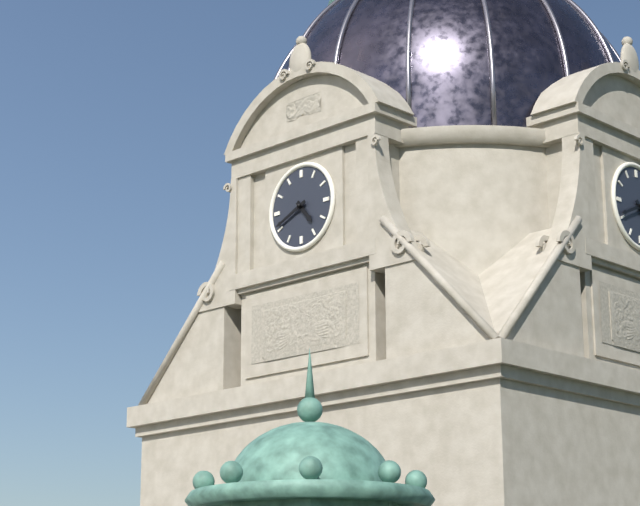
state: 4:41
